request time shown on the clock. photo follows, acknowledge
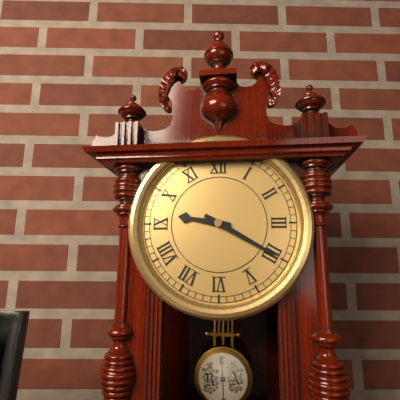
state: 9:20
